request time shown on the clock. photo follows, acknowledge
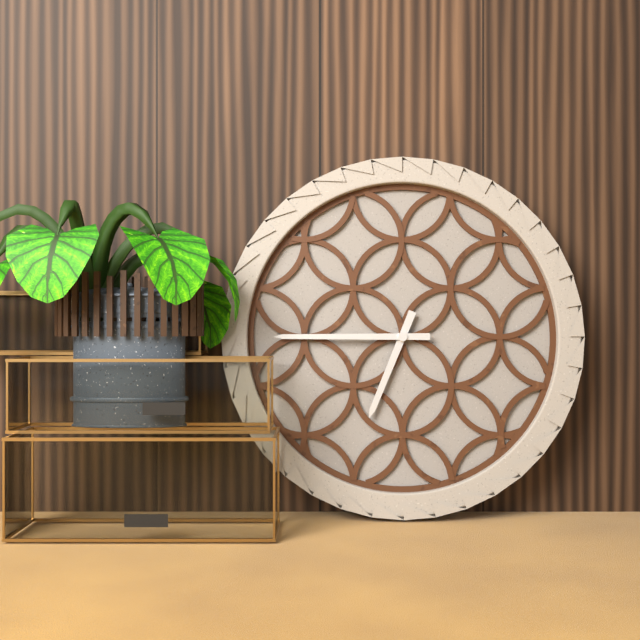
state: 6:45
